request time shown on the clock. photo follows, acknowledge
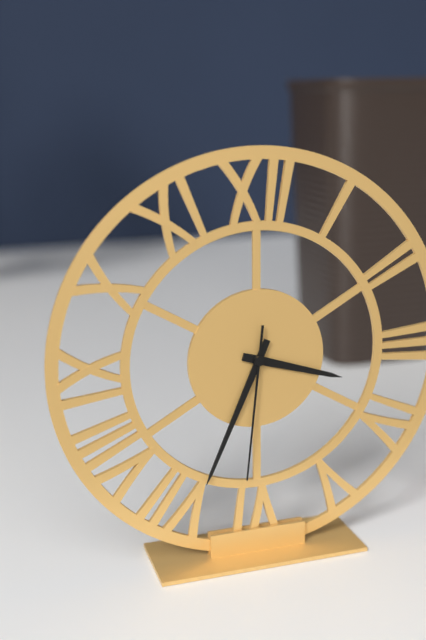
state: 3:34:31
